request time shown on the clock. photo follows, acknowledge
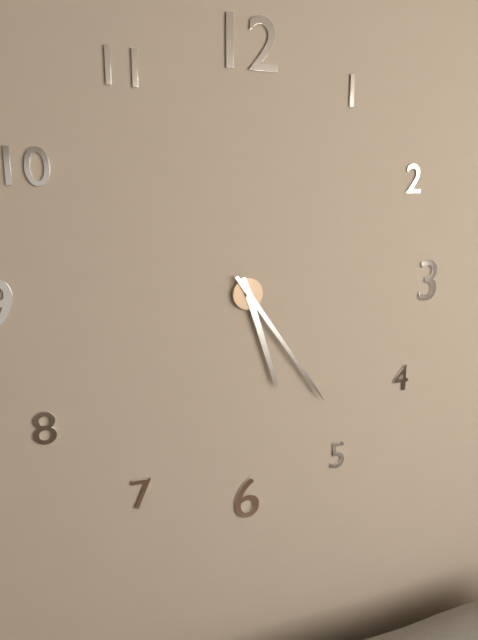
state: 5:24
